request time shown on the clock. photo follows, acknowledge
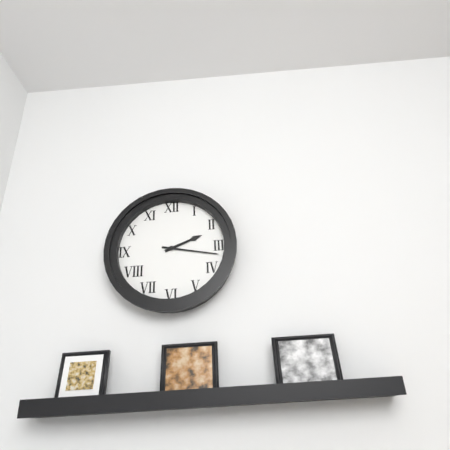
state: 2:17
